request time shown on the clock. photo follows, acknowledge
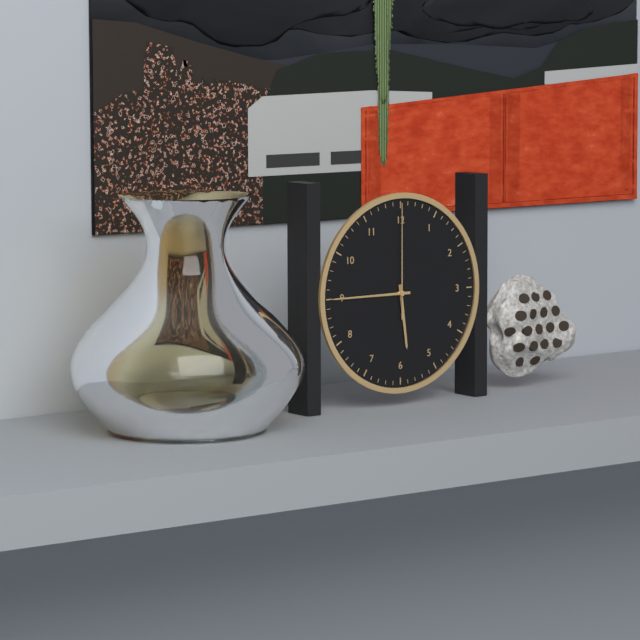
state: 5:45:00
